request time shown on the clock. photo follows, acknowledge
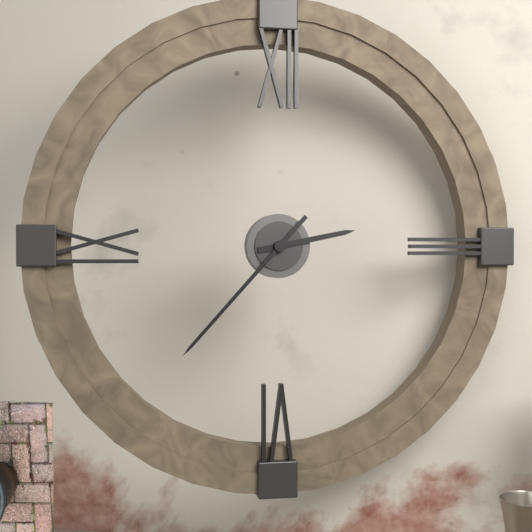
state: 2:37
